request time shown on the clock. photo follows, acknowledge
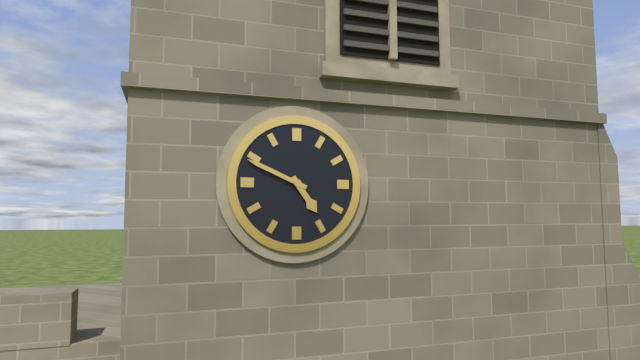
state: 4:49
